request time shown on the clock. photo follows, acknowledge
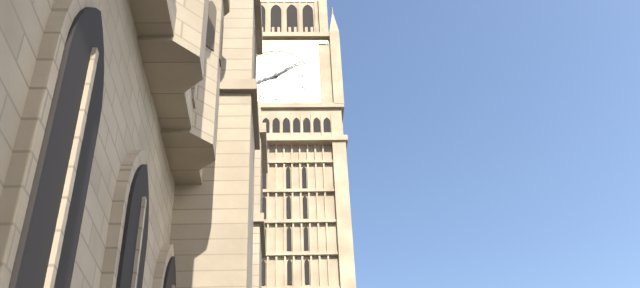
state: 8:09
